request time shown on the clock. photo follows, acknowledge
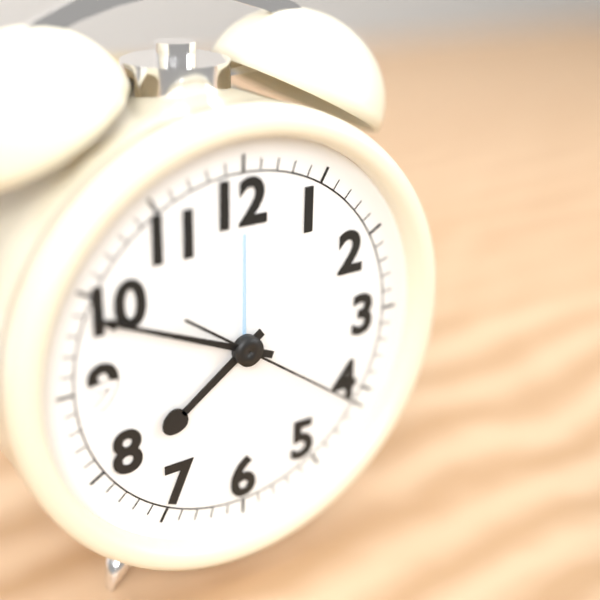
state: 7:49:21
